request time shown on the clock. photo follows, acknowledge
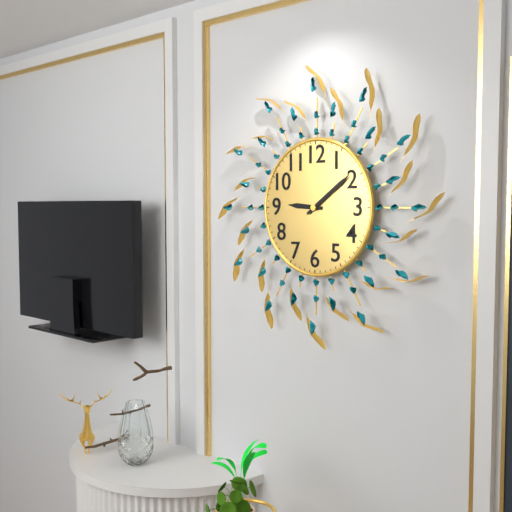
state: 9:09
